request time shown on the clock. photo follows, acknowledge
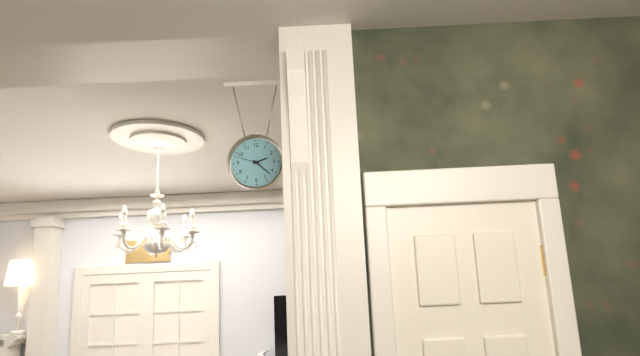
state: 2:22
